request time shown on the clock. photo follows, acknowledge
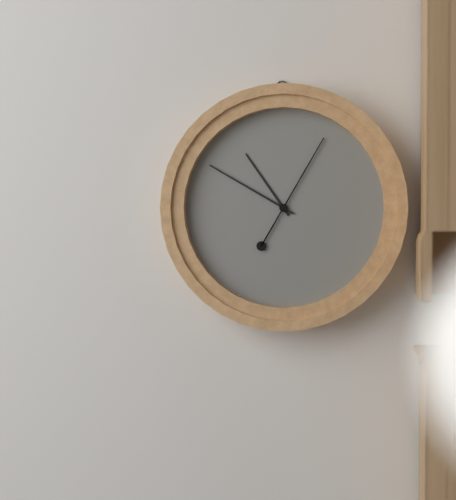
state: 10:50:05
